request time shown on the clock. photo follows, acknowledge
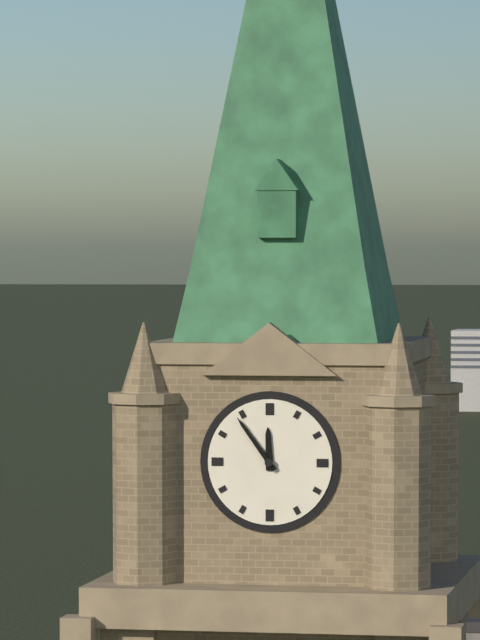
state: 11:54
